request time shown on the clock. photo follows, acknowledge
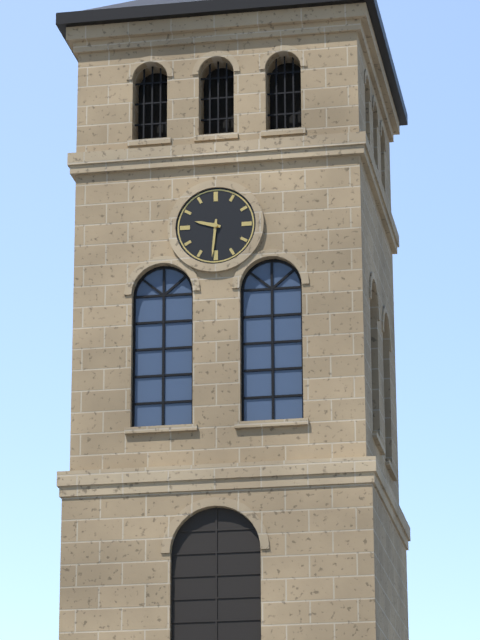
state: 9:31
